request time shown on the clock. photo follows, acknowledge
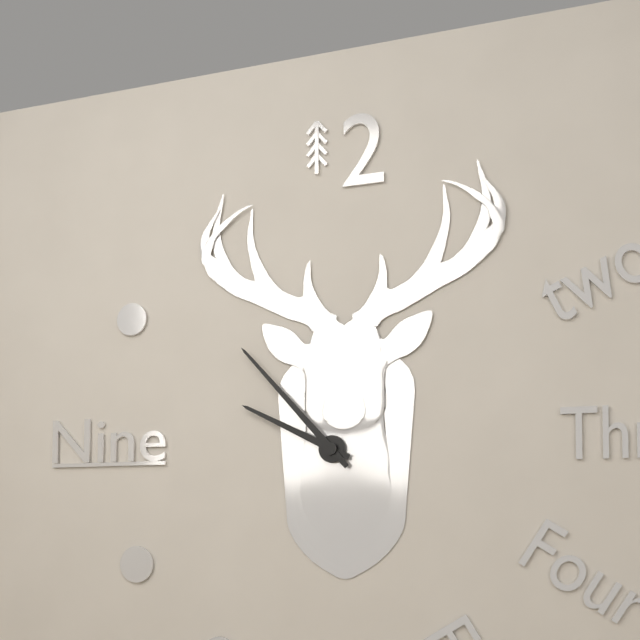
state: 9:53
